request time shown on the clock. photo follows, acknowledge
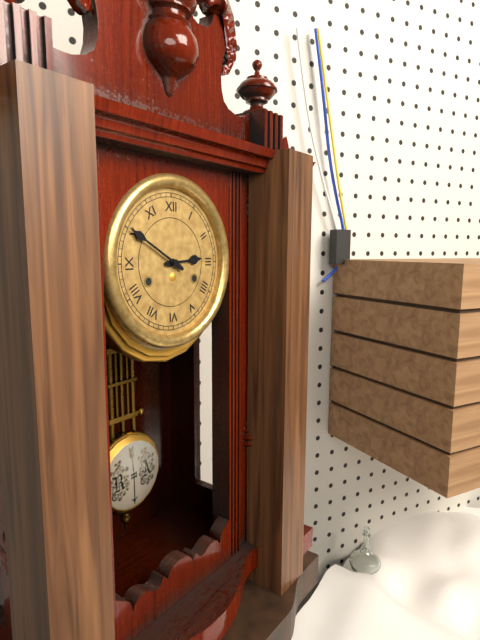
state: 2:50
